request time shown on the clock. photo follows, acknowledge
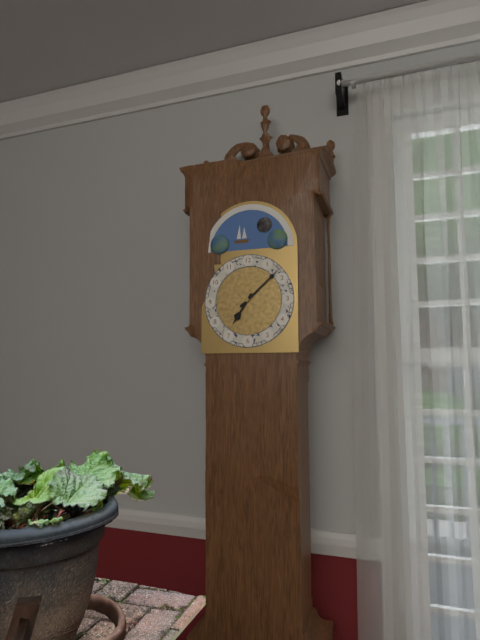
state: 7:08
